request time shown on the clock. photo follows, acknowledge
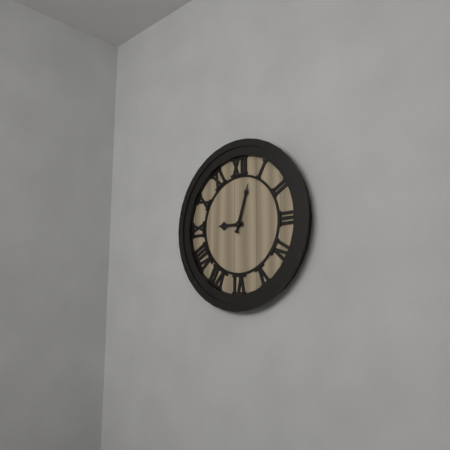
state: 9:03
